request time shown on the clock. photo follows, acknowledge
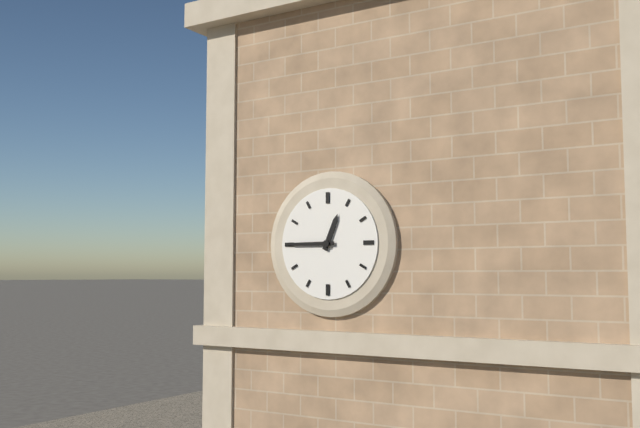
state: 12:45
